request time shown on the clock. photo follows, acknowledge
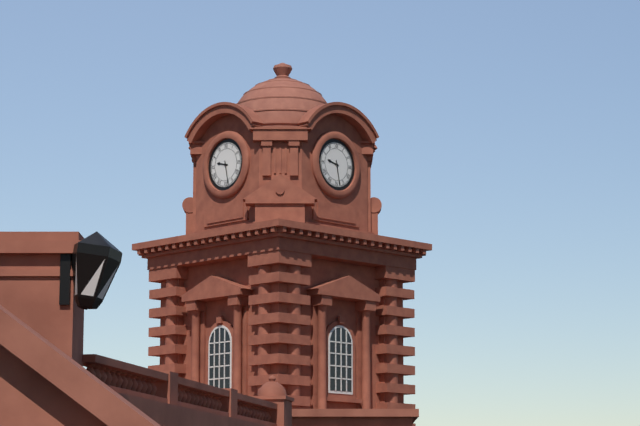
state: 9:28
